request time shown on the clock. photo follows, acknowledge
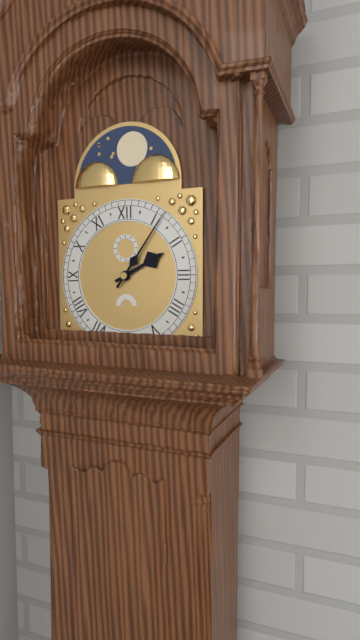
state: 2:06
